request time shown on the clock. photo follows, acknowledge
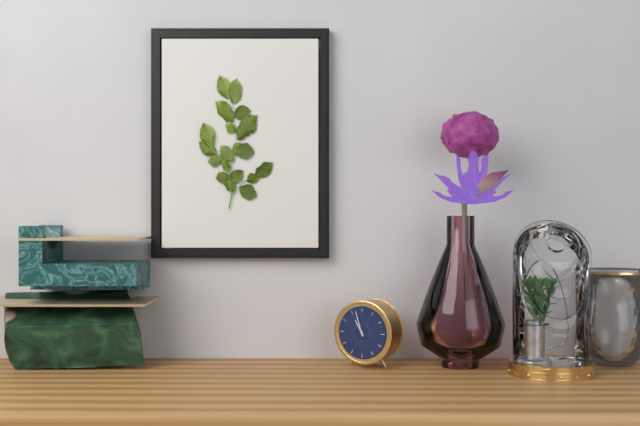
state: 10:57
